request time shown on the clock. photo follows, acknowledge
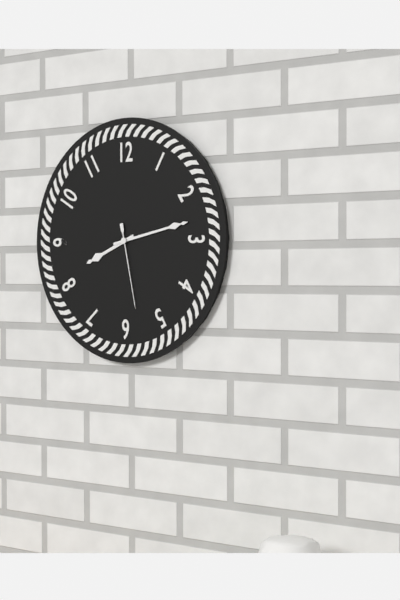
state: 8:13:28
